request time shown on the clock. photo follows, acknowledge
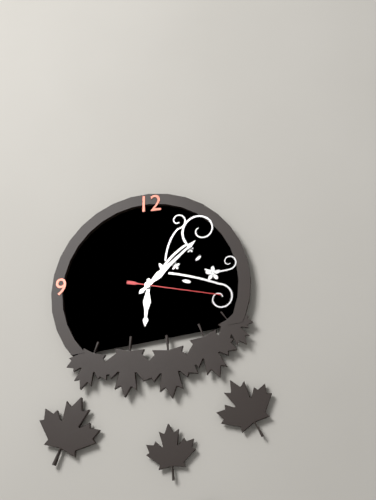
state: 6:08:17
